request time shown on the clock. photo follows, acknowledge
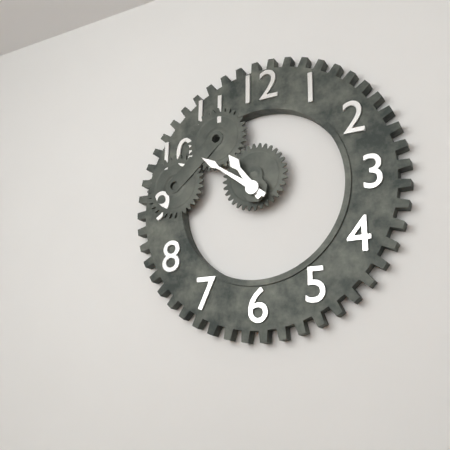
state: 10:51
